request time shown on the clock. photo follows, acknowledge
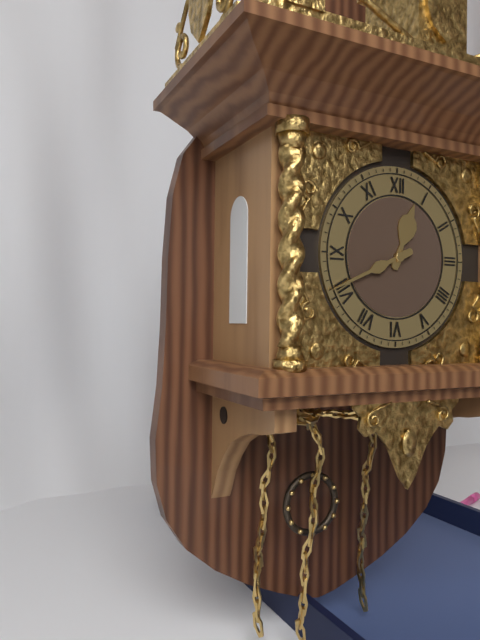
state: 12:41
